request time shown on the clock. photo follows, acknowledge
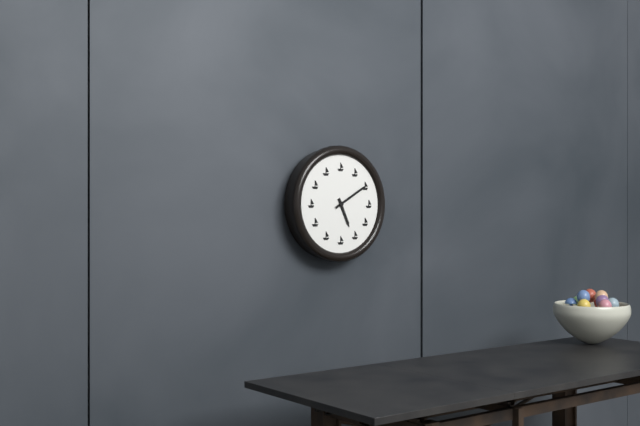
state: 5:10
